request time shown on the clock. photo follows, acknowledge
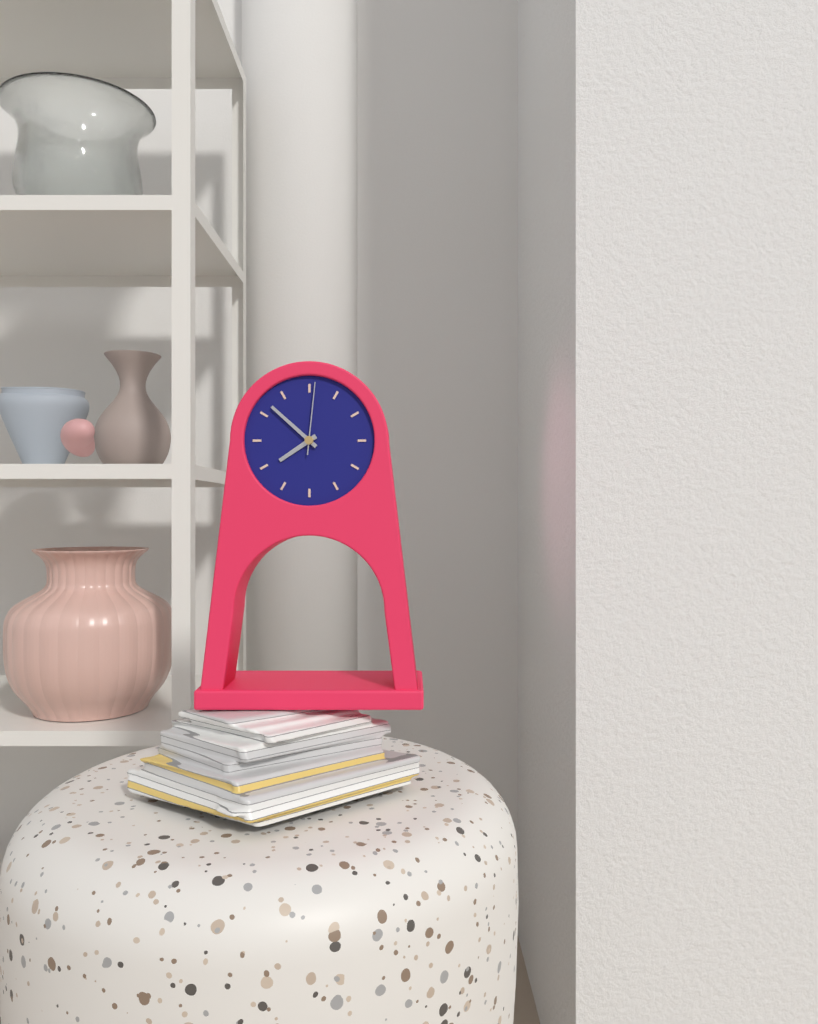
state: 7:52:01
